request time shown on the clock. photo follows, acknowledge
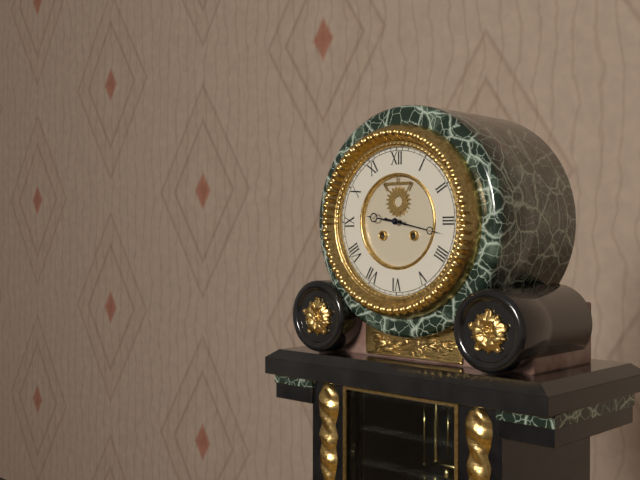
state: 9:17
